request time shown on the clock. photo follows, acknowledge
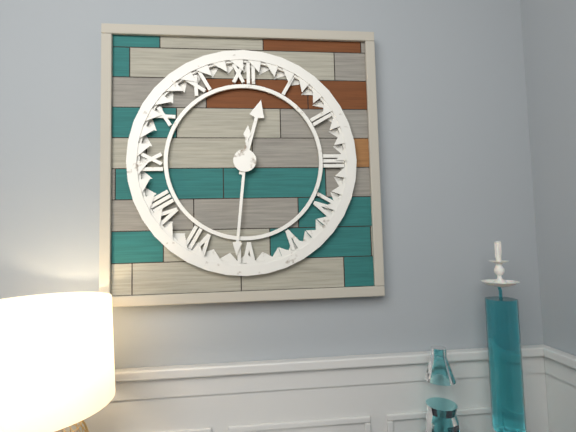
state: 12:31
